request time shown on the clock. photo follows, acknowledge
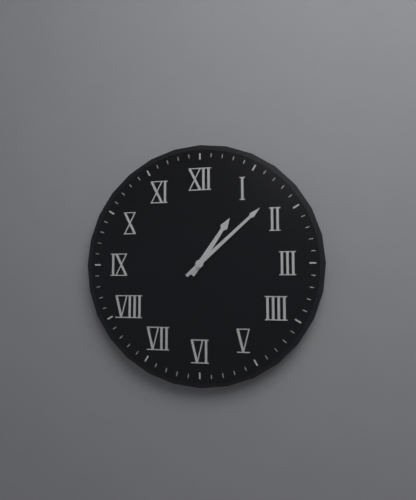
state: 1:08
